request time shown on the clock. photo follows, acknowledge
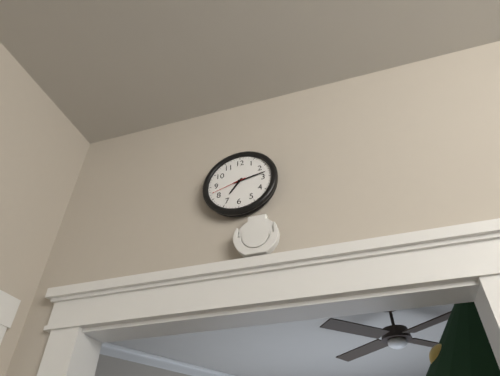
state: 7:13
